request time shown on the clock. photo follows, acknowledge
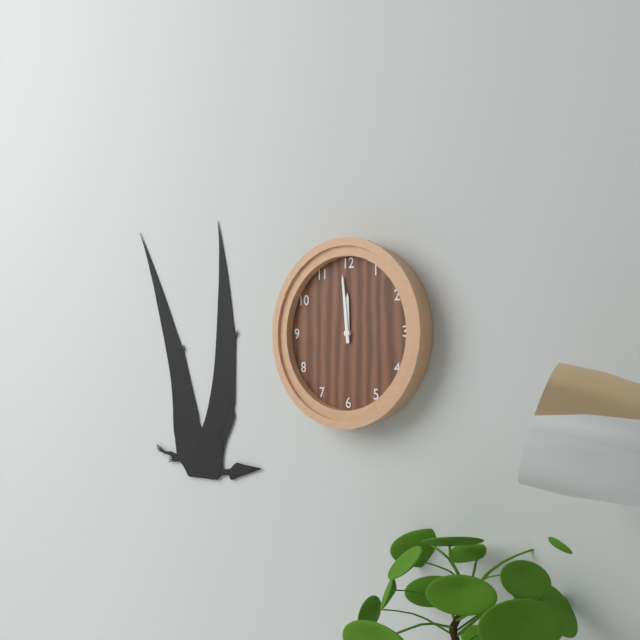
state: 11:59
